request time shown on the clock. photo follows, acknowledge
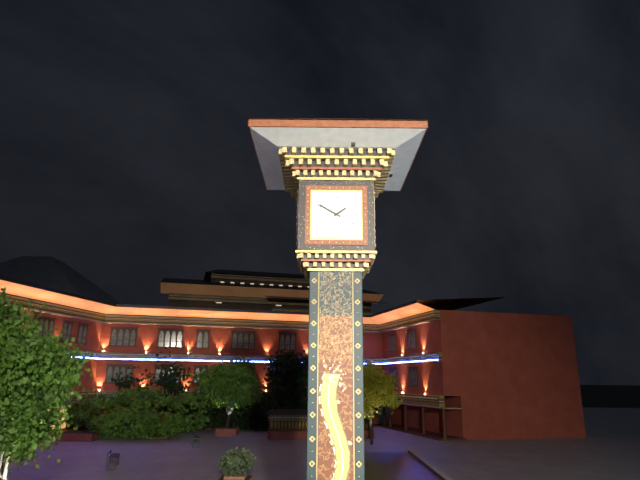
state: 1:50
